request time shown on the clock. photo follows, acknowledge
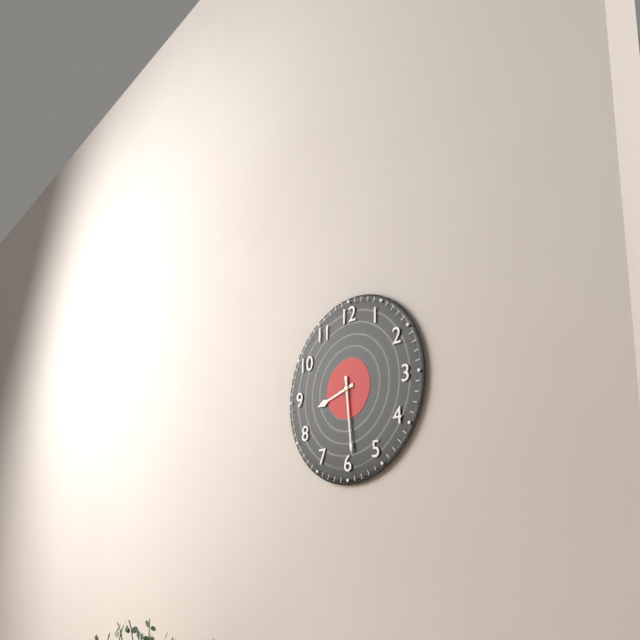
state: 8:29
